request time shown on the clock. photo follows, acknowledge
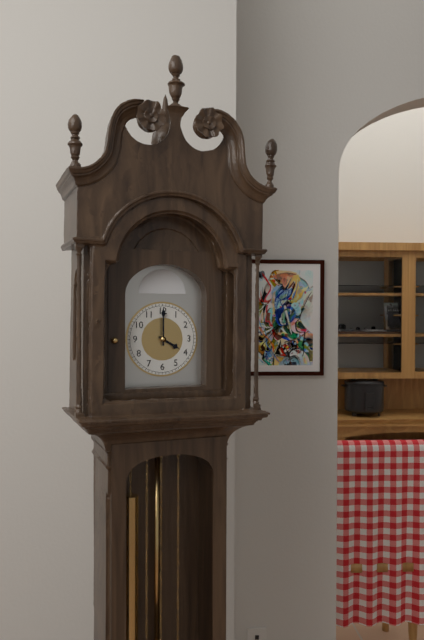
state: 4:00
